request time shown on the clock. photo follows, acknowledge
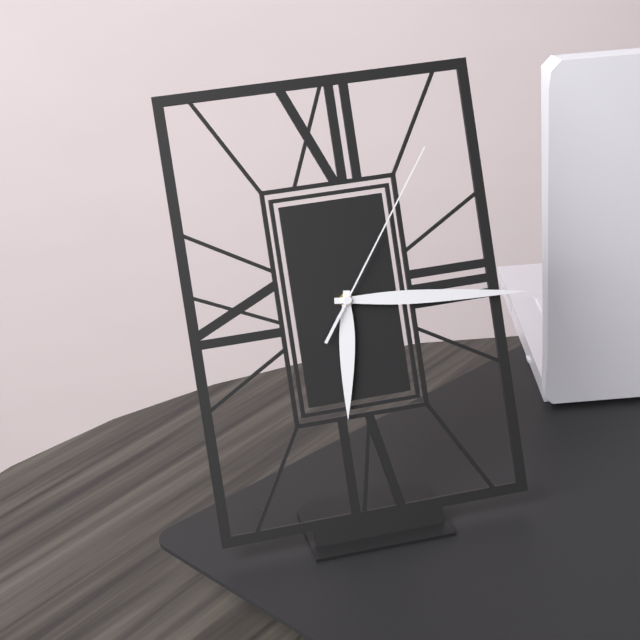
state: 6:16:06
